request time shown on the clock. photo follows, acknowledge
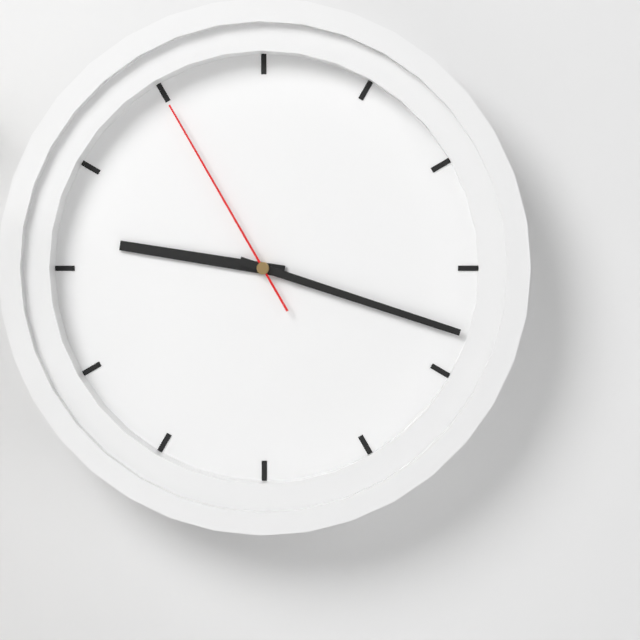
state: 9:18:55
